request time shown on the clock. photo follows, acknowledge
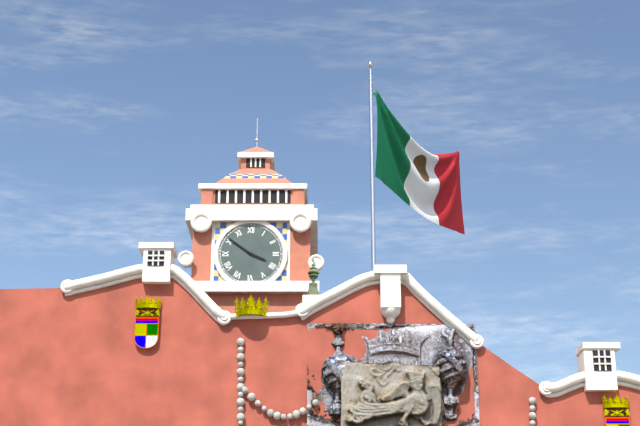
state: 3:51
